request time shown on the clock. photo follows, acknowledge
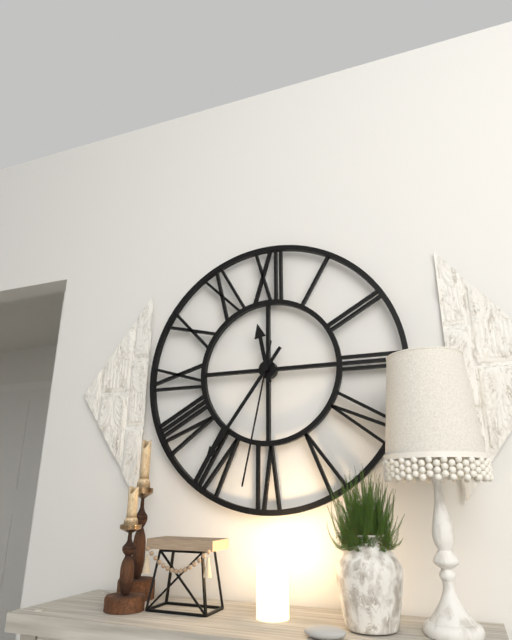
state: 11:36:32
